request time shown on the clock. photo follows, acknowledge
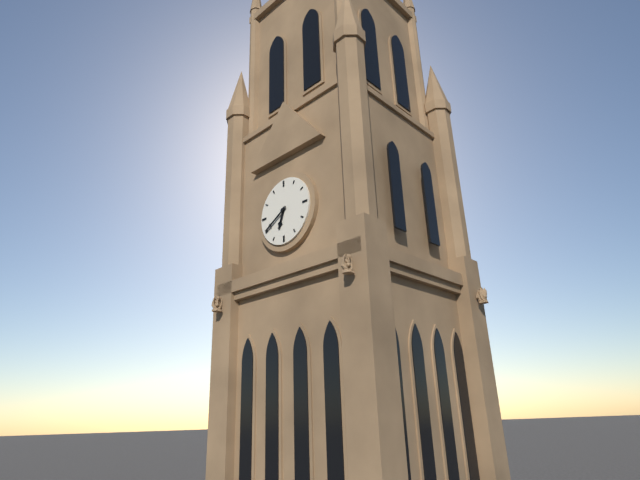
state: 6:40
